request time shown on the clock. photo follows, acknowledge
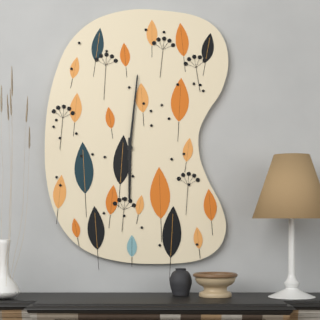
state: 6:01
